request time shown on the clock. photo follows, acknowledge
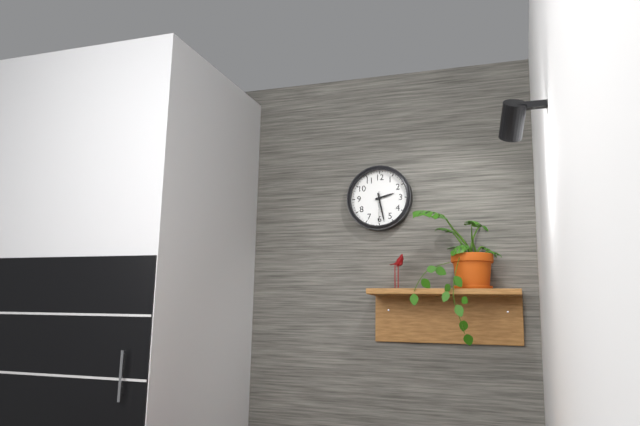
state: 2:28
